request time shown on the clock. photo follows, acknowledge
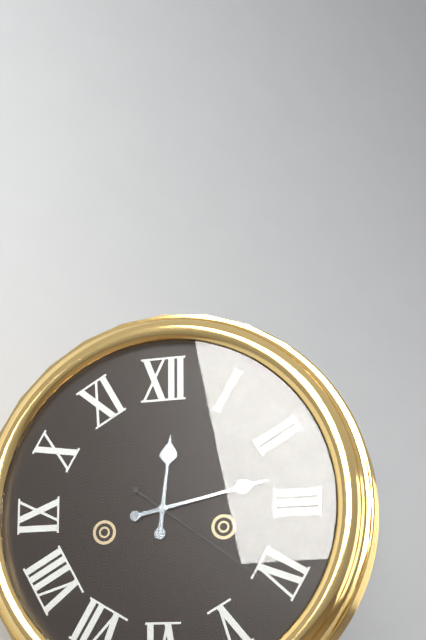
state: 12:13:21
